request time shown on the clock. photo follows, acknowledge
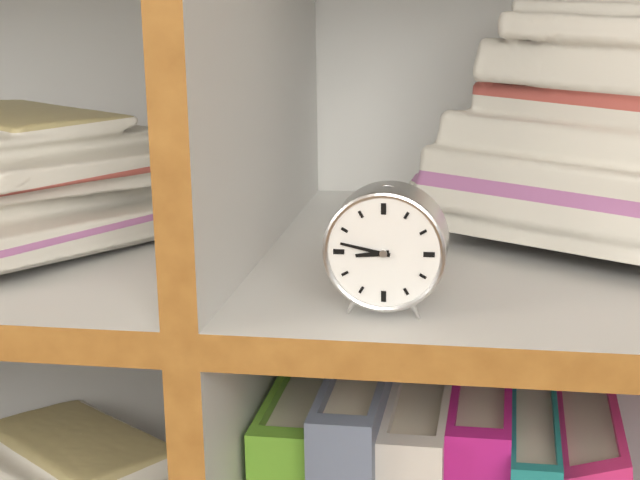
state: 8:47
